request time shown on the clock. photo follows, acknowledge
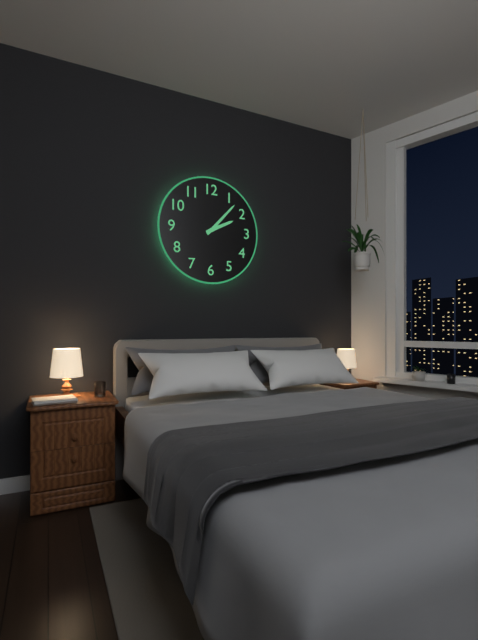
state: 2:07
